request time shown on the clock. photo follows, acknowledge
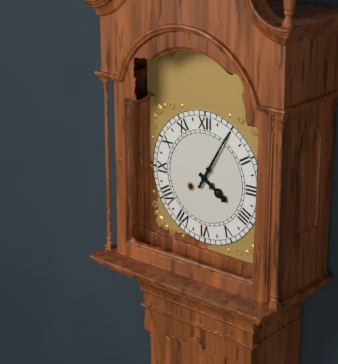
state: 4:05
